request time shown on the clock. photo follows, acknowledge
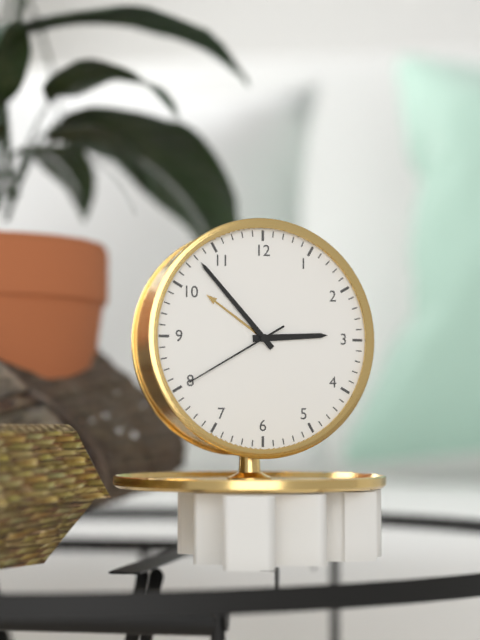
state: 2:53:40
